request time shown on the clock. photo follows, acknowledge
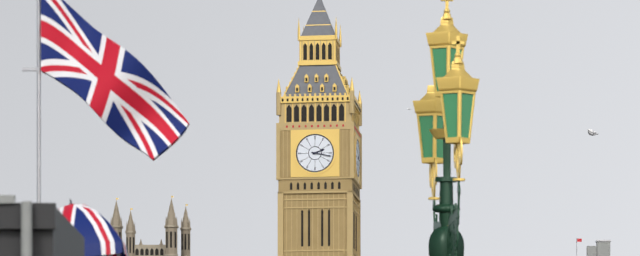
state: 2:17
